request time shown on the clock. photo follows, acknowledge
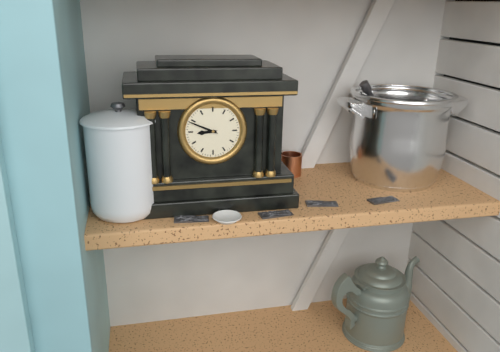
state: 8:49
